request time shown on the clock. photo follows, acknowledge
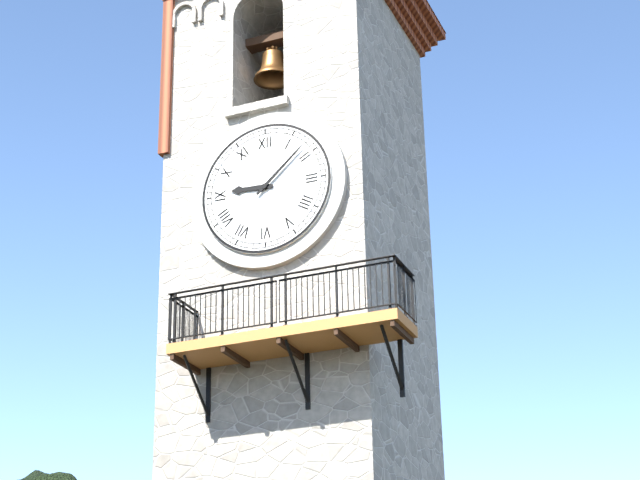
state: 9:08
